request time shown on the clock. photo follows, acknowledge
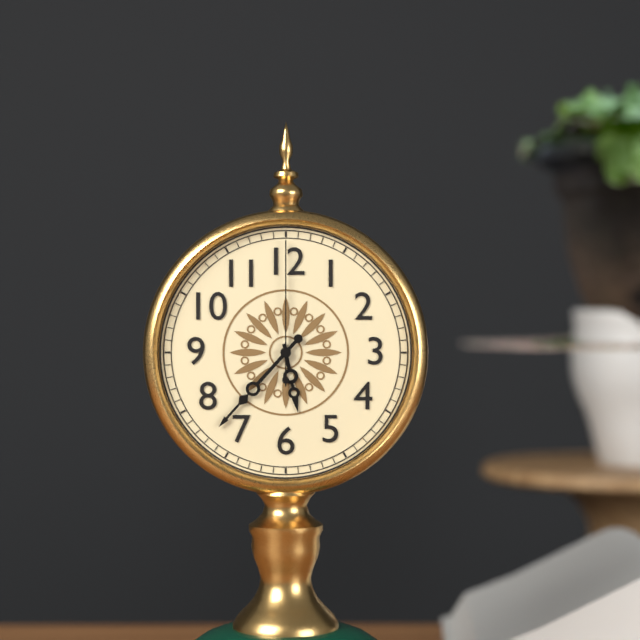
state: 5:37:00
